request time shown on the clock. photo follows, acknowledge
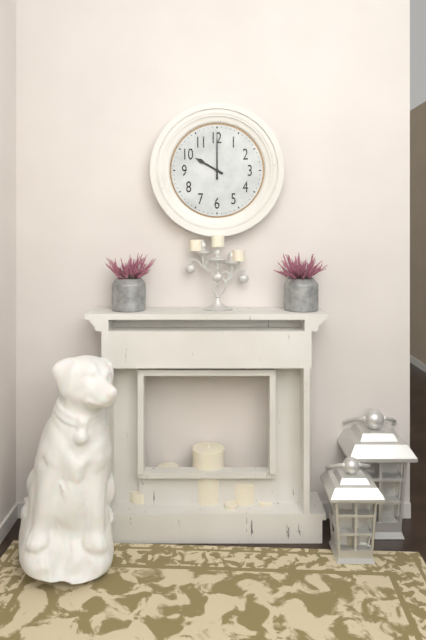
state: 10:00
